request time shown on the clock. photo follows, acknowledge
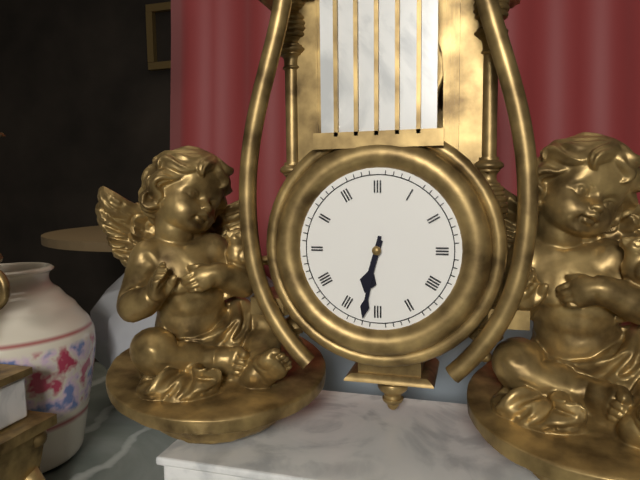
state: 6:32
